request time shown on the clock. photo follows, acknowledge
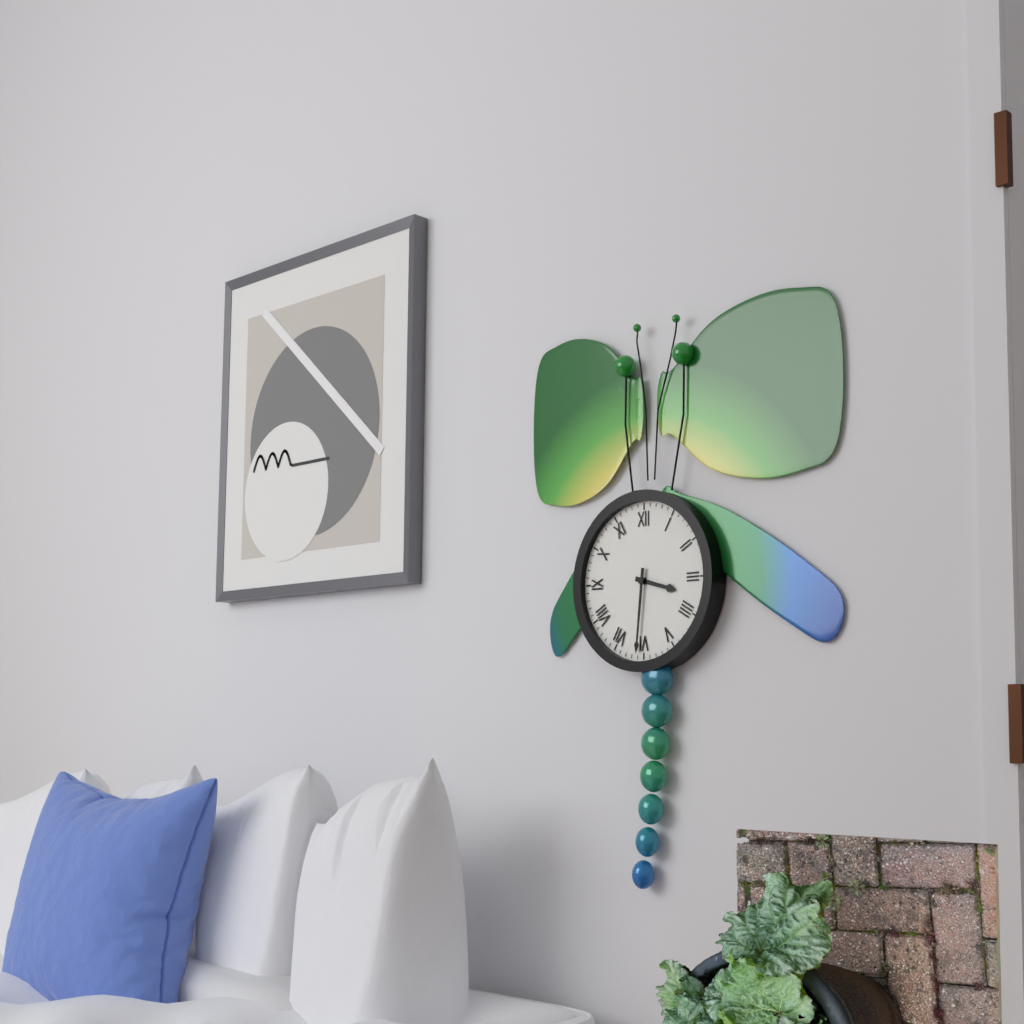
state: 3:31
